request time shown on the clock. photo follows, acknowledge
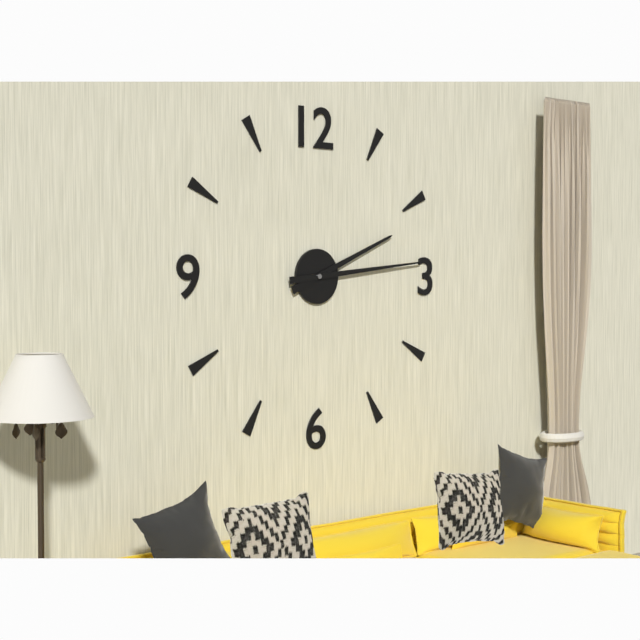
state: 2:14
